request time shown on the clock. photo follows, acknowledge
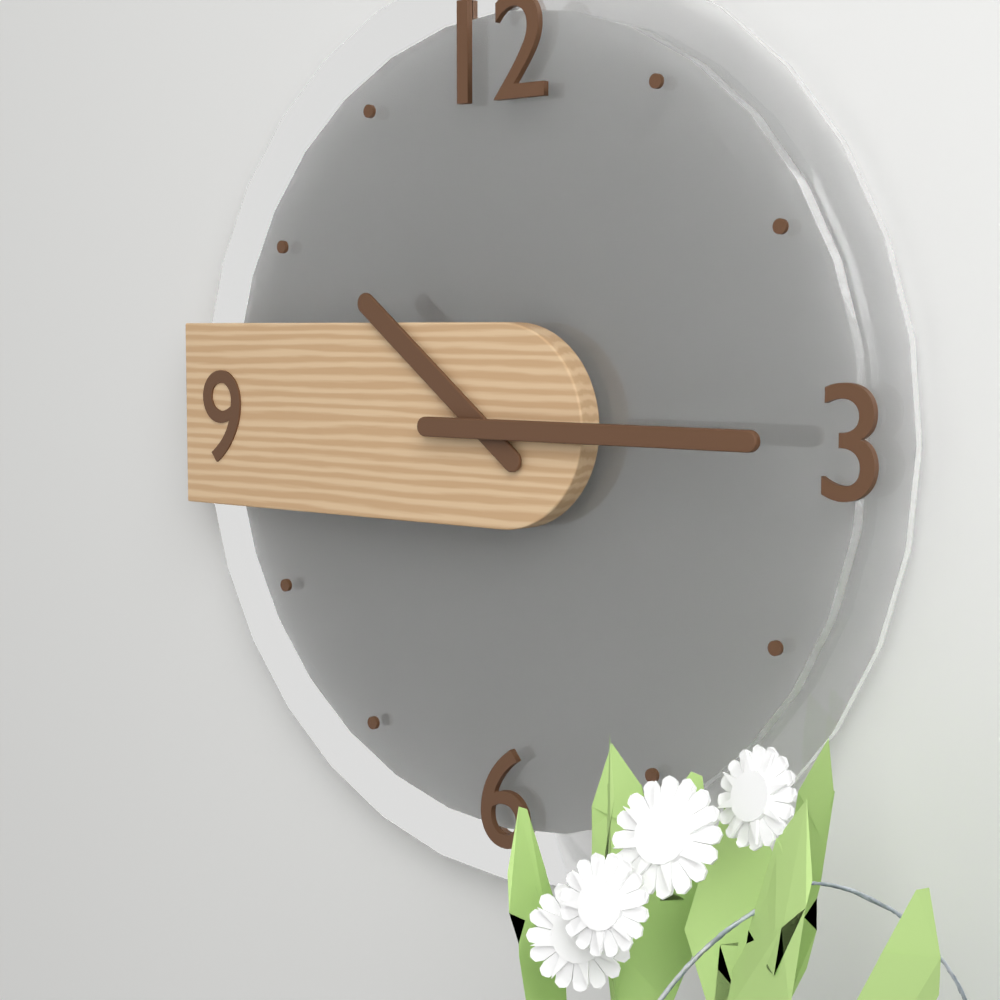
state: 10:15
